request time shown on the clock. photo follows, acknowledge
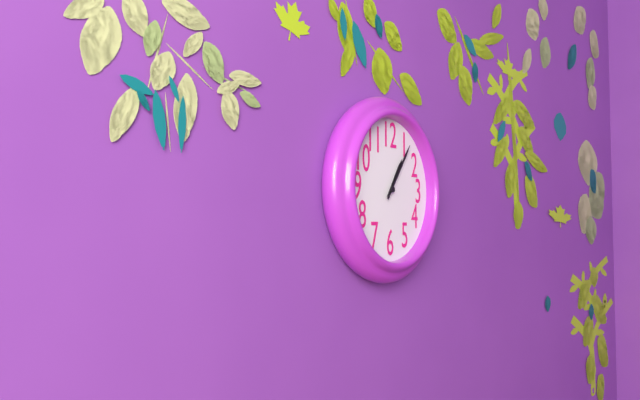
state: 1:06
